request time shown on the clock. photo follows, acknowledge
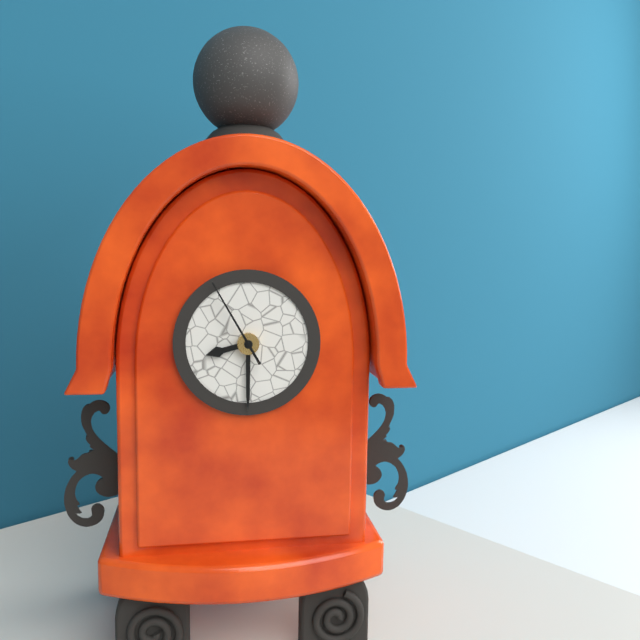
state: 8:30:55
